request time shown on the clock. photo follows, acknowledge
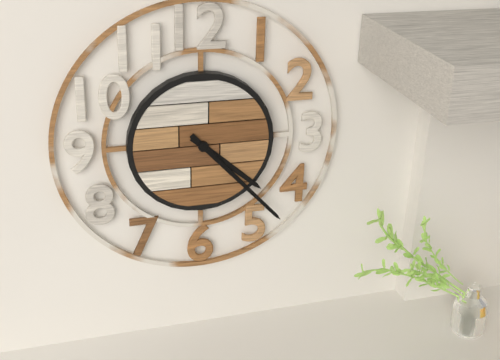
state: 4:23
